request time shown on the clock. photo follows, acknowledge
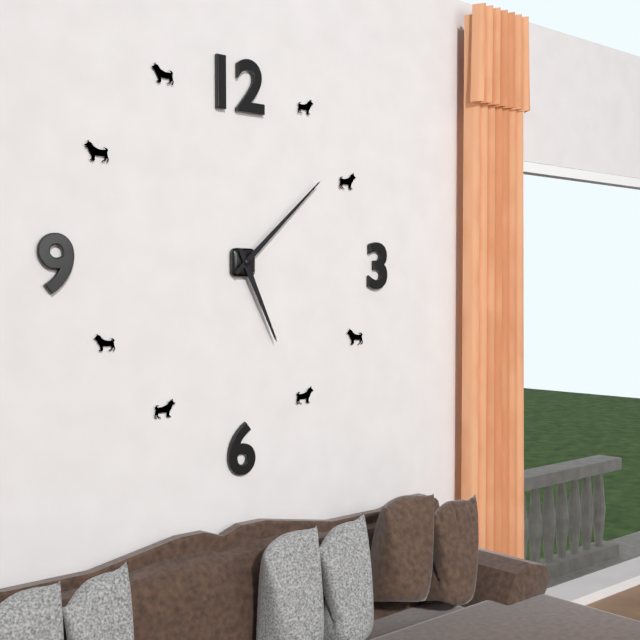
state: 5:08
